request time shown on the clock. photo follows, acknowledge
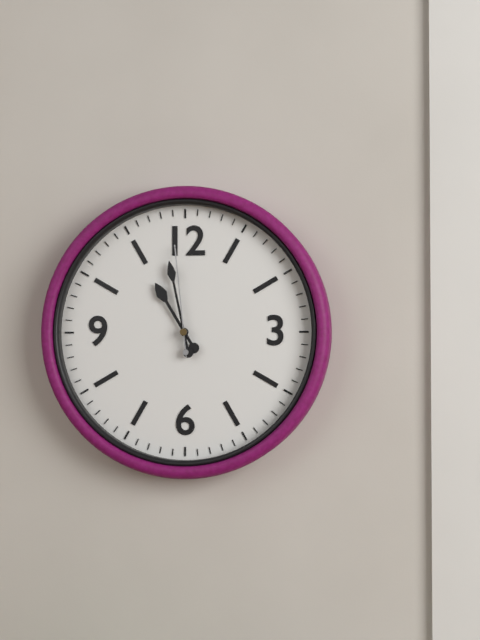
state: 10:58:59
